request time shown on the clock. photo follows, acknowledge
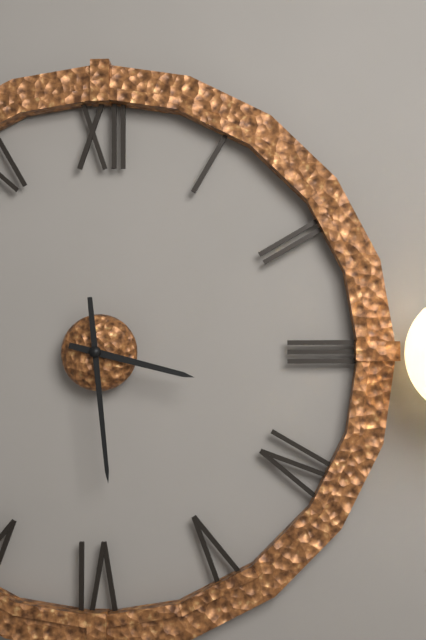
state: 3:29
